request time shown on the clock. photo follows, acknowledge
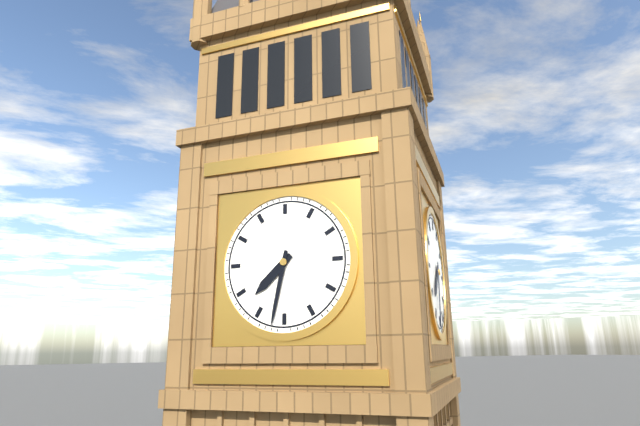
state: 7:32
